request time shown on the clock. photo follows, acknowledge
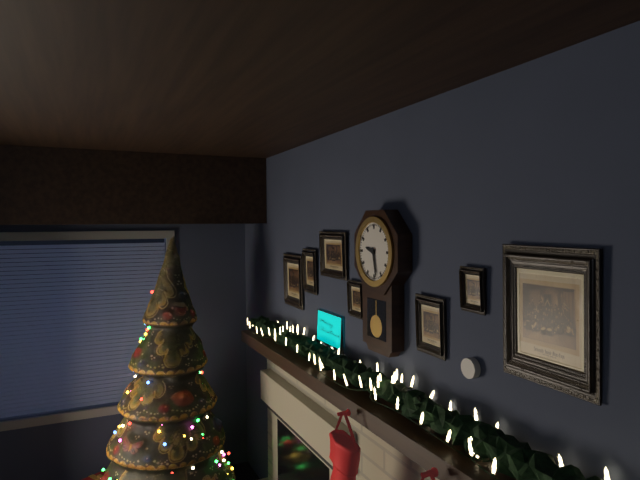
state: 9:28
